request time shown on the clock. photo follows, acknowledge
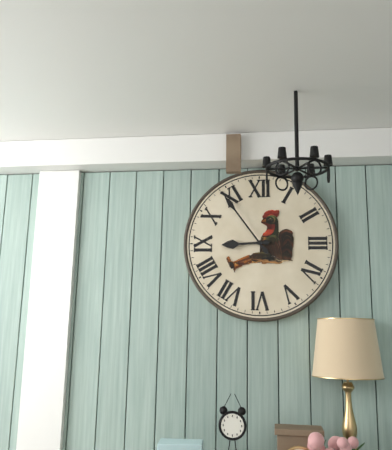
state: 8:54
